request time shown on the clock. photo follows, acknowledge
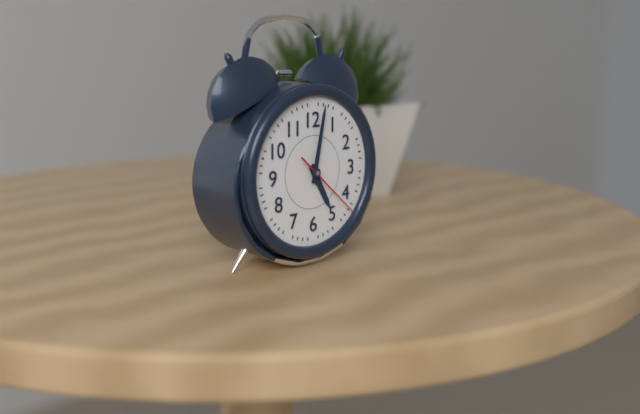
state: 5:02:22
